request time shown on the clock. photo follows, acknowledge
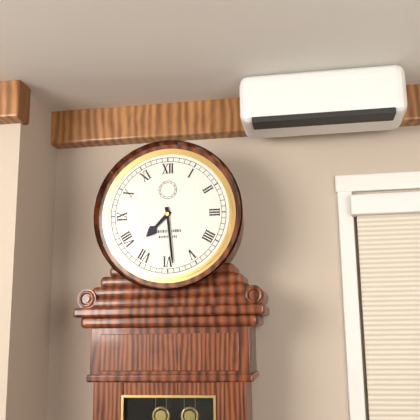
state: 7:29
